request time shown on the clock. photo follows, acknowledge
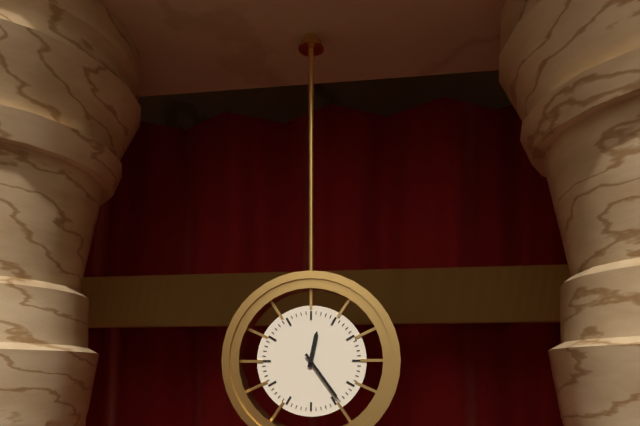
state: 12:24
